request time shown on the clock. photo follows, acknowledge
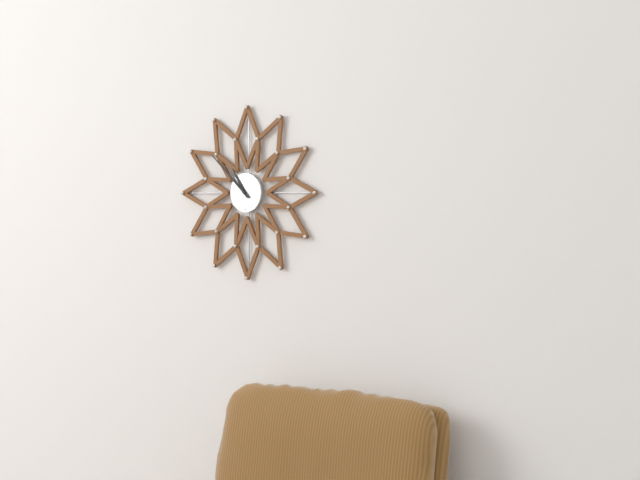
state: 10:52
